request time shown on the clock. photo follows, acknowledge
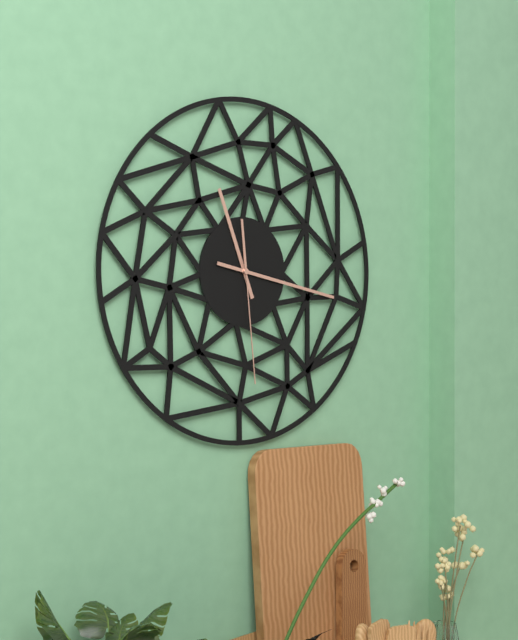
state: 11:17:29
